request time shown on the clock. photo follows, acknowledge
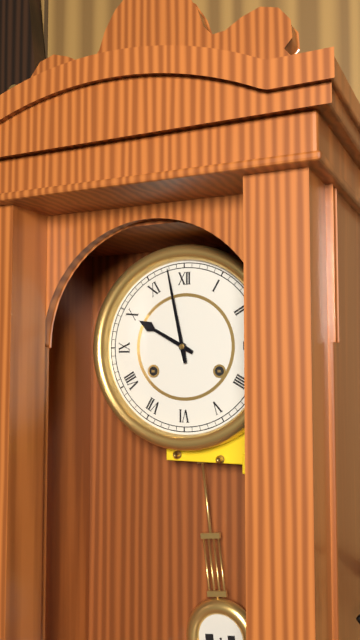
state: 9:58
